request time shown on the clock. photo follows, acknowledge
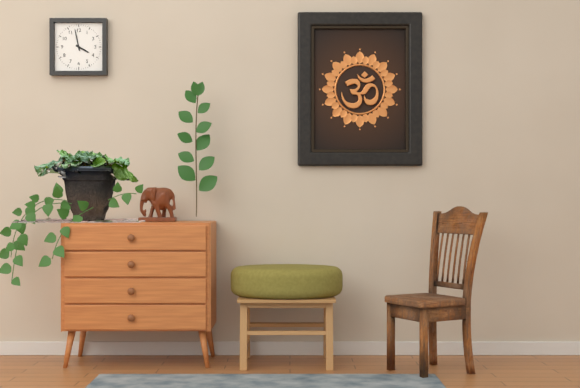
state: 3:58
